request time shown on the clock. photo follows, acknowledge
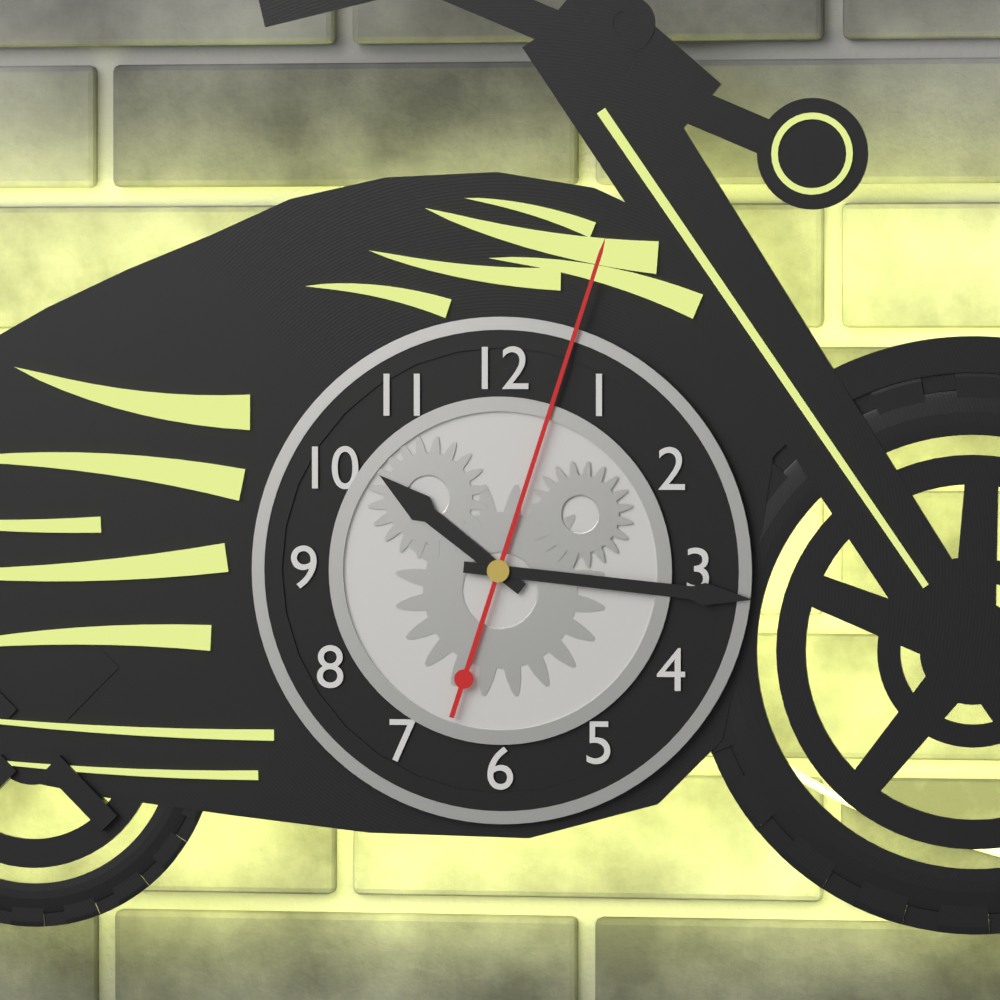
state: 10:16:03
